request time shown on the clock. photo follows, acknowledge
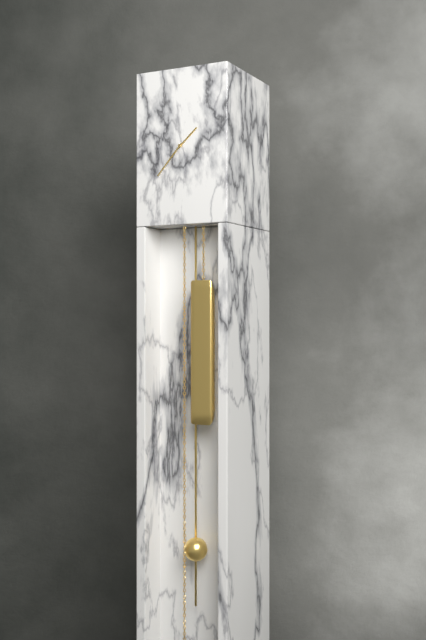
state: 1:37
